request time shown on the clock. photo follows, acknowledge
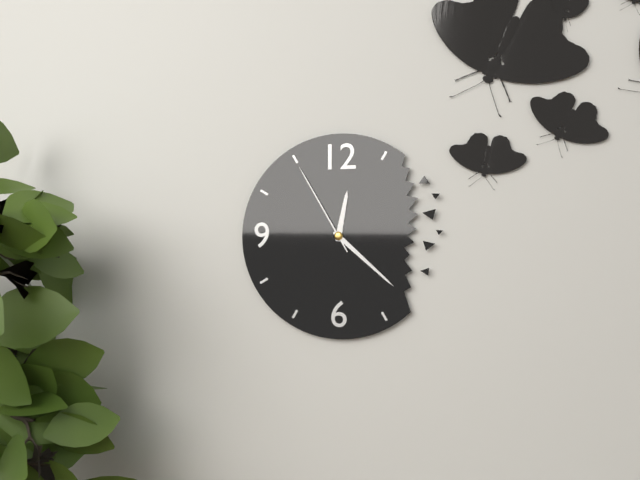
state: 12:22:55
